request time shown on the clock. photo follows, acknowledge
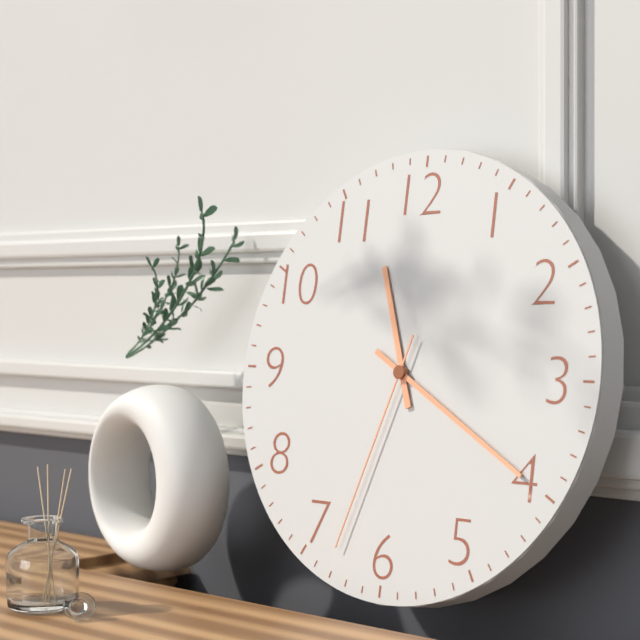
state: 11:20:33
